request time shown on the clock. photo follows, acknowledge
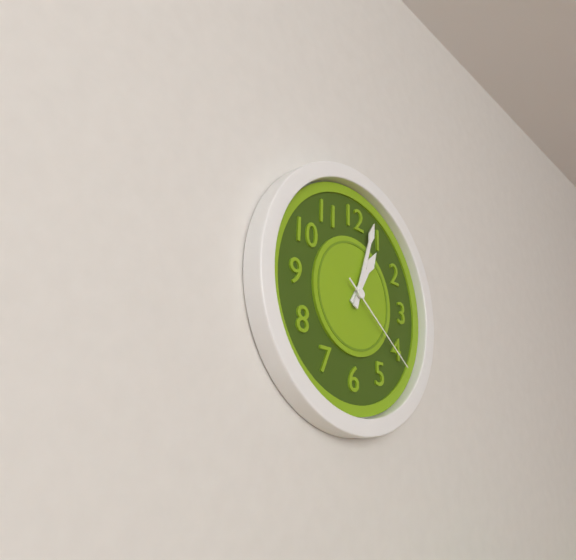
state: 1:03:21
